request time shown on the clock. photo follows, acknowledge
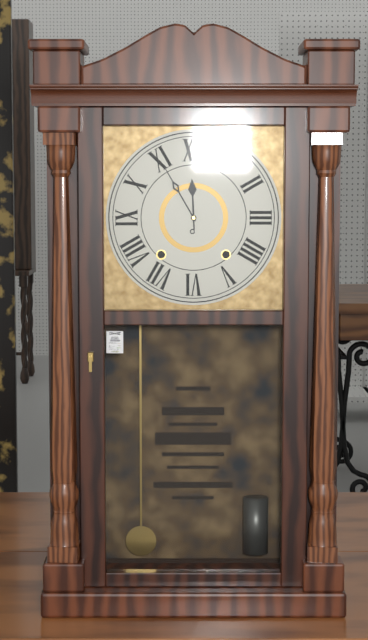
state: 11:55
